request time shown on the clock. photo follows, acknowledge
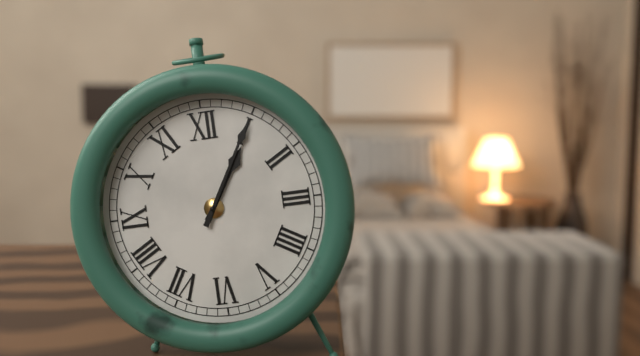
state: 1:05
